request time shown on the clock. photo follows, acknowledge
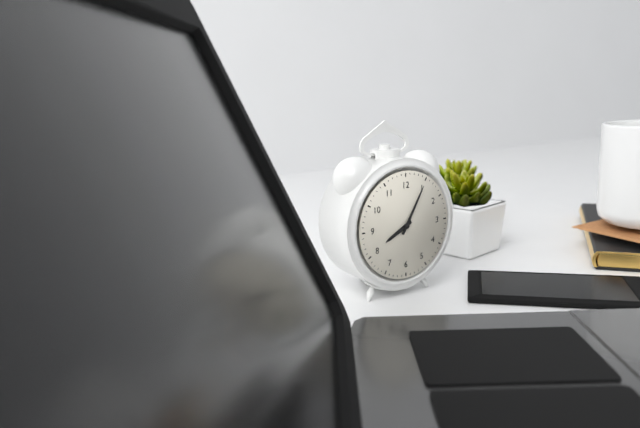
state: 8:05
